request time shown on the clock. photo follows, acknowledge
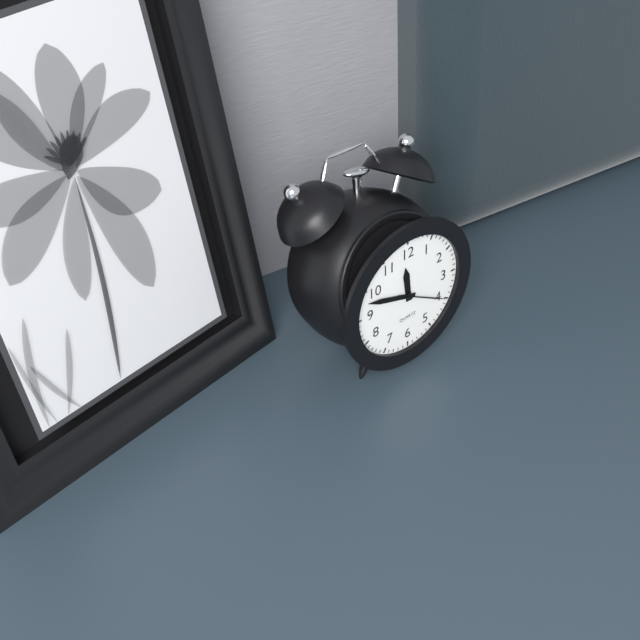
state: 11:48
